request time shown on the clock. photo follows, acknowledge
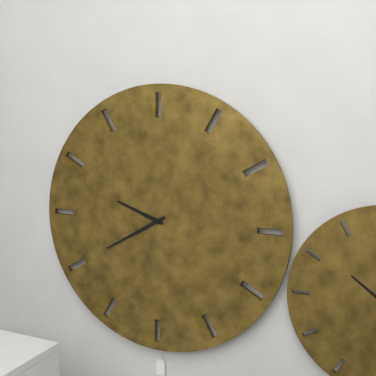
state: 9:40
